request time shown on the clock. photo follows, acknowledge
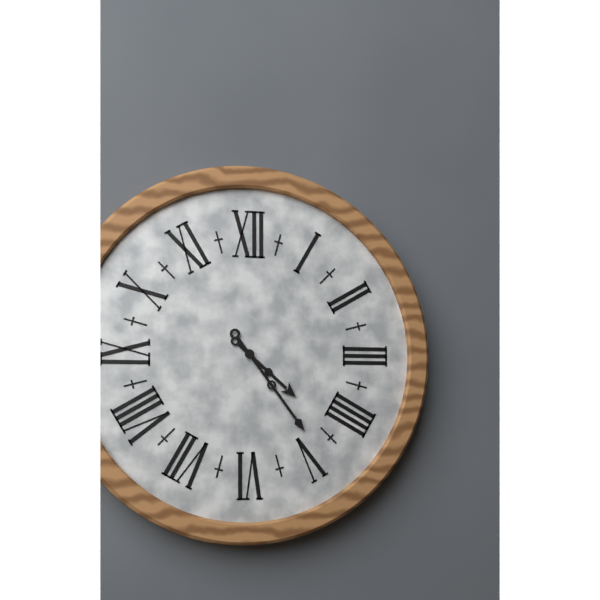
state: 4:24
